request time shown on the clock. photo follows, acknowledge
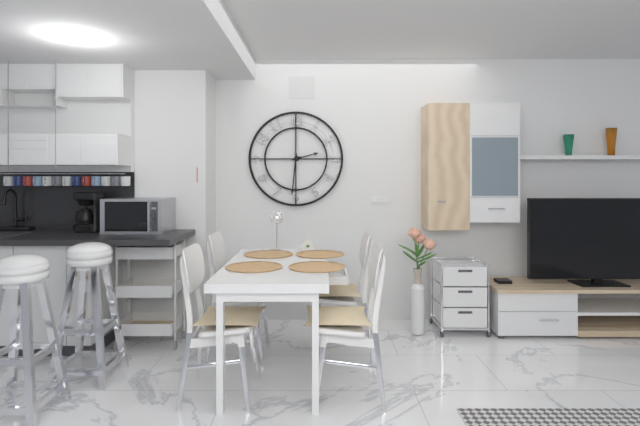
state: 2:31
